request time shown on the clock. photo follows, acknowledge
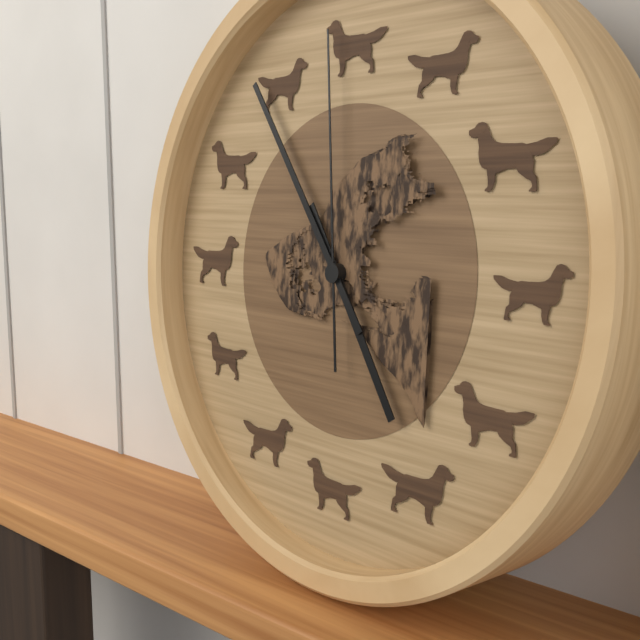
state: 4:54:59
